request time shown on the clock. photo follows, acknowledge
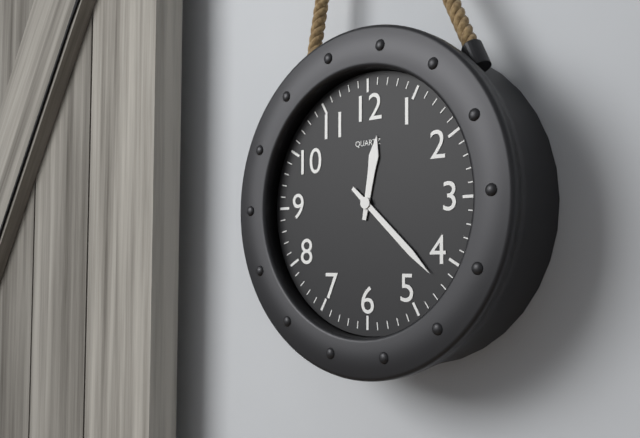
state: 12:22
